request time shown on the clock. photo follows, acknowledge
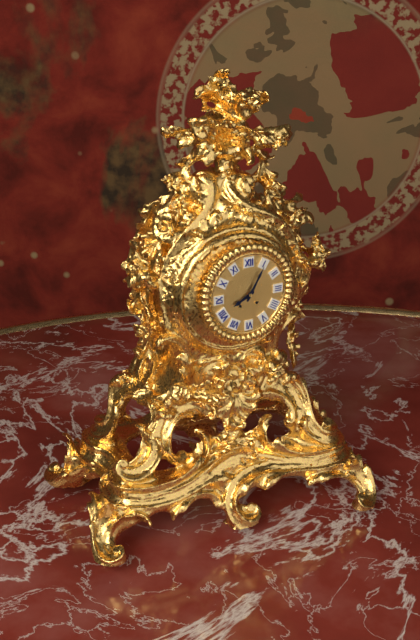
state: 8:05
